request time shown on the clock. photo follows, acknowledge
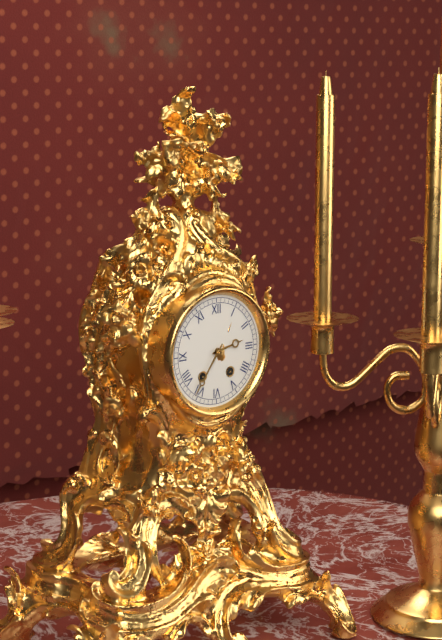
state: 2:36
